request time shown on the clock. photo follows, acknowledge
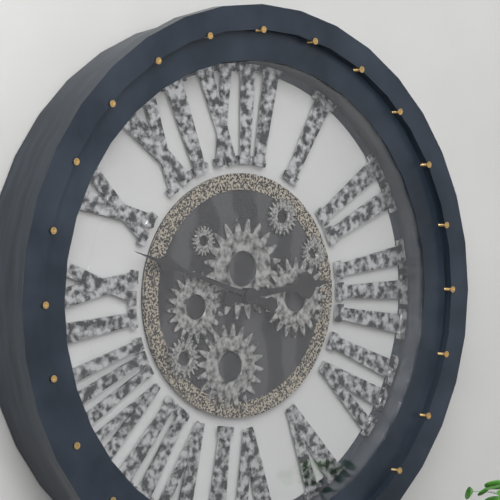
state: 2:48
